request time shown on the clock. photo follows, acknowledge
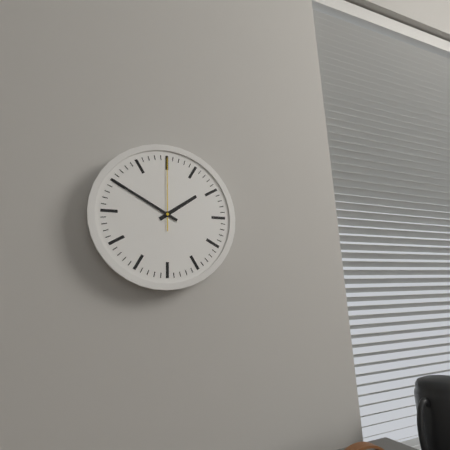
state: 1:50:00
